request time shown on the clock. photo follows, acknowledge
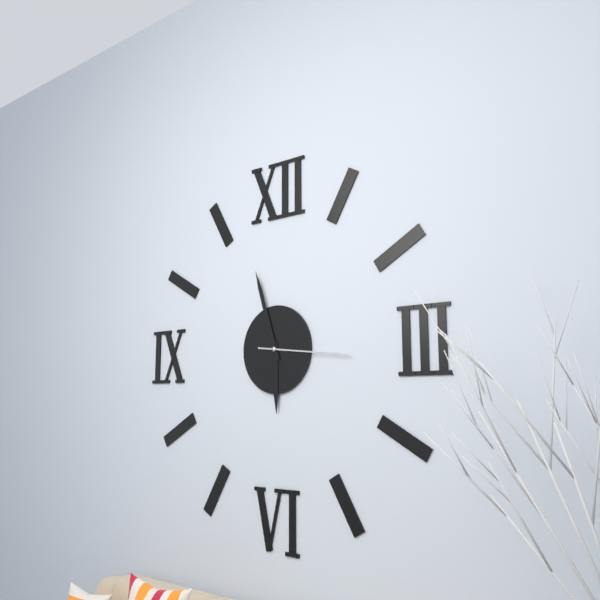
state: 5:57:16
